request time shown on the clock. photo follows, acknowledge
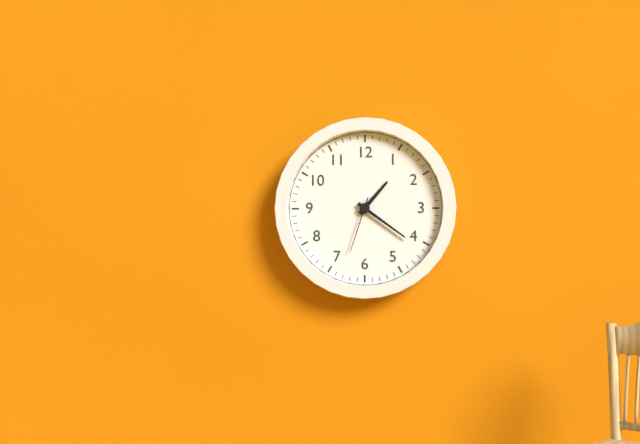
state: 1:21:33
